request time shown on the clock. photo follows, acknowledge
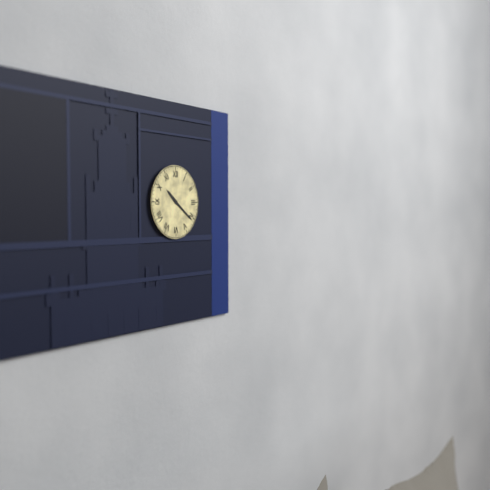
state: 10:21
